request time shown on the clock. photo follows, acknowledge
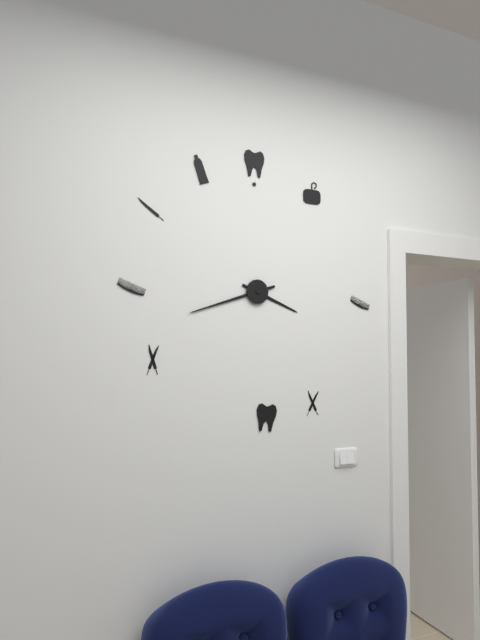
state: 3:42
